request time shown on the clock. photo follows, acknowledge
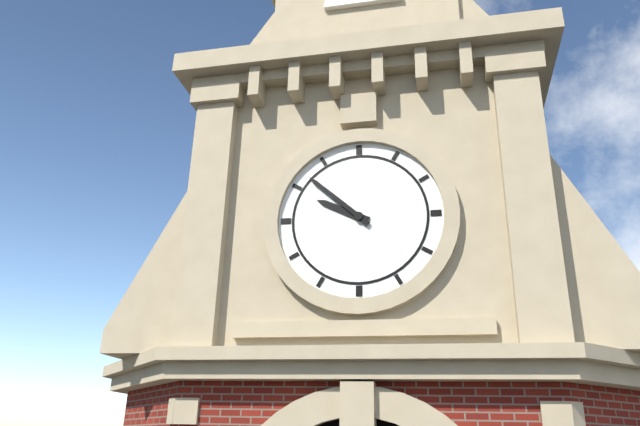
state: 9:52
